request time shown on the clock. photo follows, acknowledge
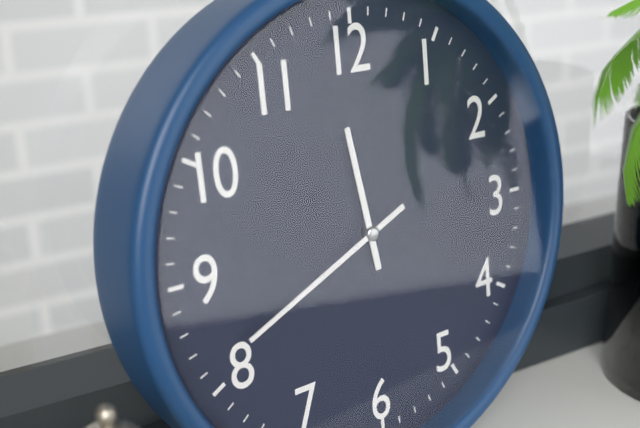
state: 11:41
